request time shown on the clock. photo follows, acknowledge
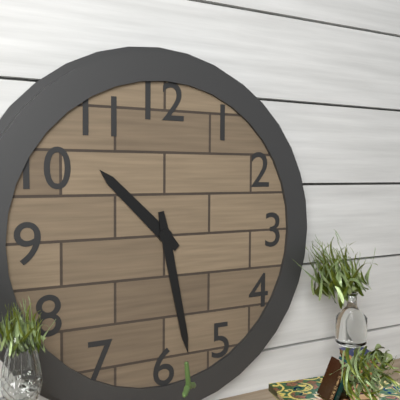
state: 10:28
